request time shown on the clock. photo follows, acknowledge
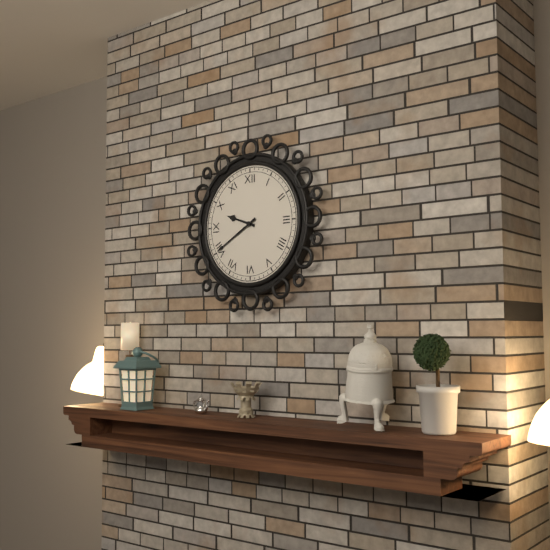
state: 9:40
